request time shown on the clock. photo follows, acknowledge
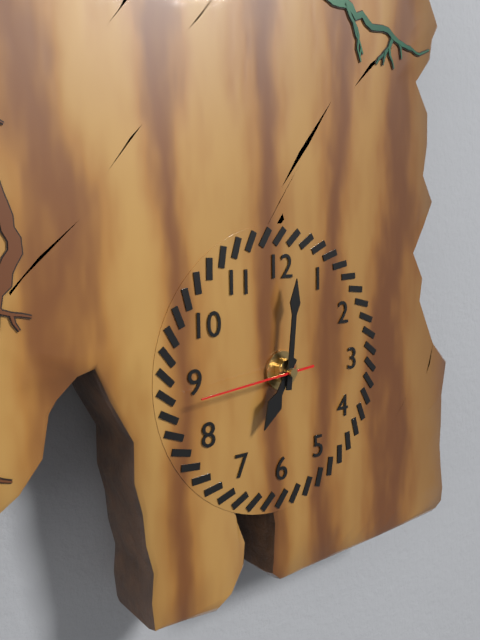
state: 7:01:44
